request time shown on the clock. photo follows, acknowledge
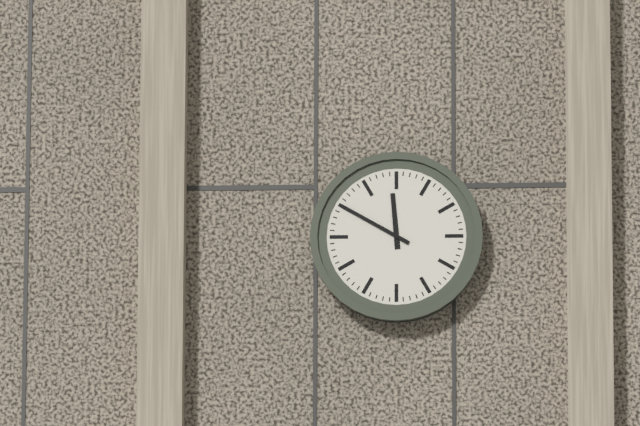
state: 11:50
